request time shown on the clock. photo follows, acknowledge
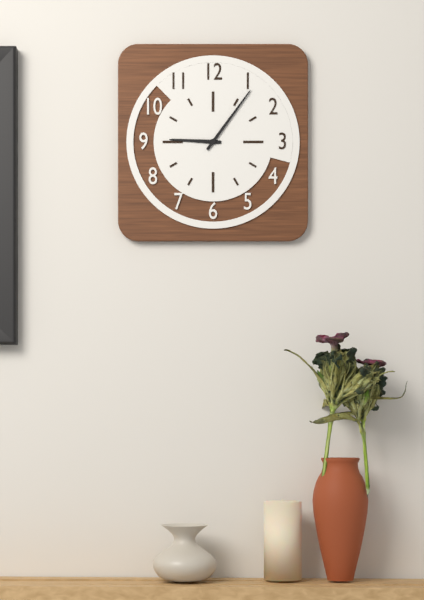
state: 9:06
